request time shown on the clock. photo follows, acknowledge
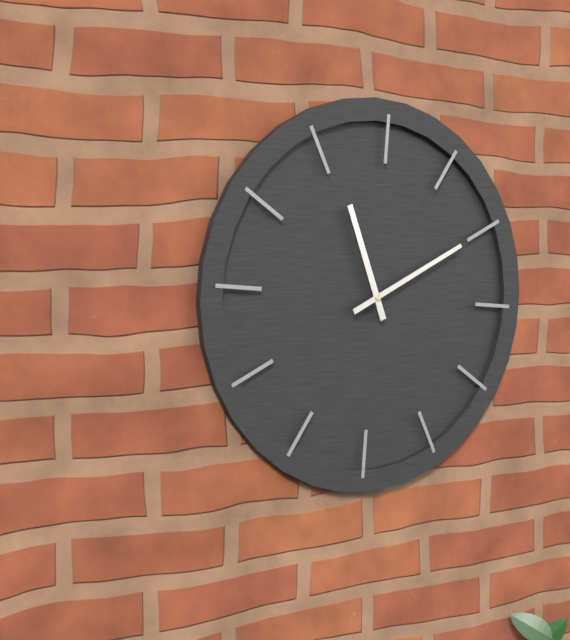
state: 11:10
